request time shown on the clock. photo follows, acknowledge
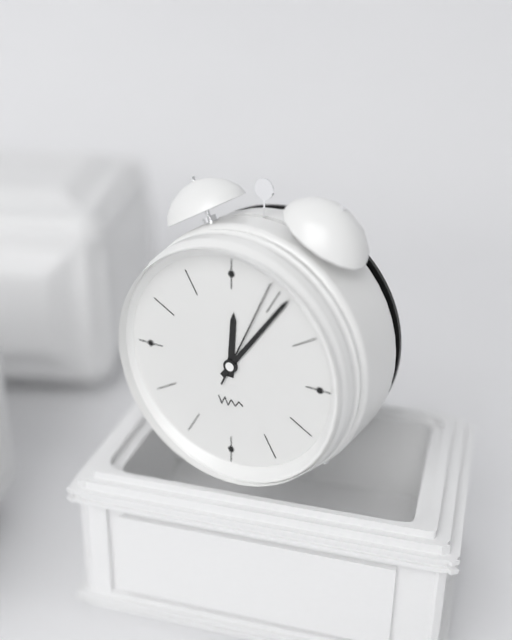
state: 12:06:04
